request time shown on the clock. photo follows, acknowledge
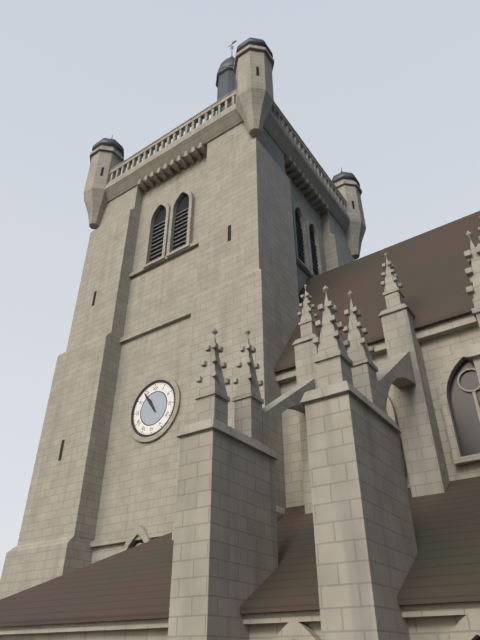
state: 10:54
